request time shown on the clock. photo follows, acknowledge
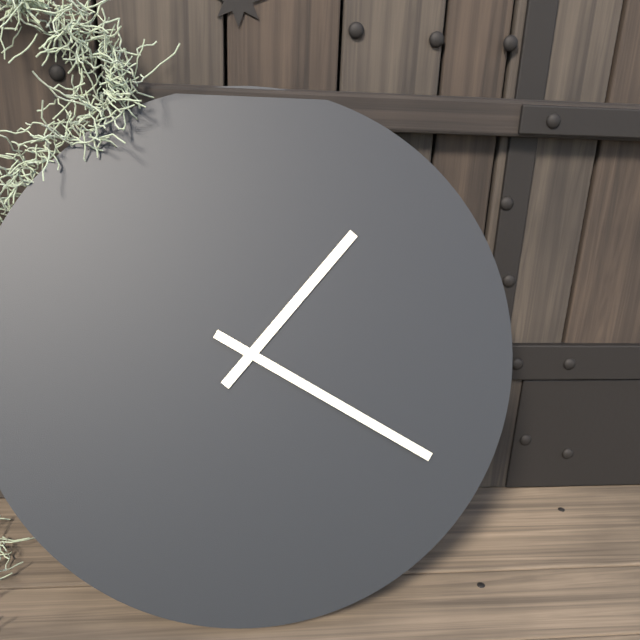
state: 1:20
